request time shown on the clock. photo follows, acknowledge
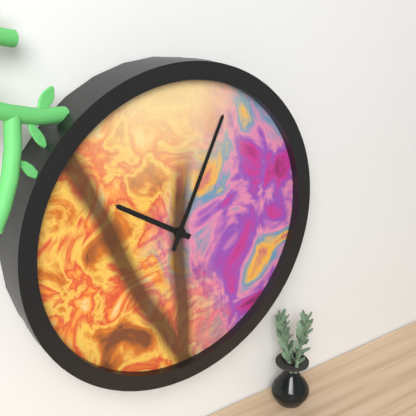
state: 10:04
